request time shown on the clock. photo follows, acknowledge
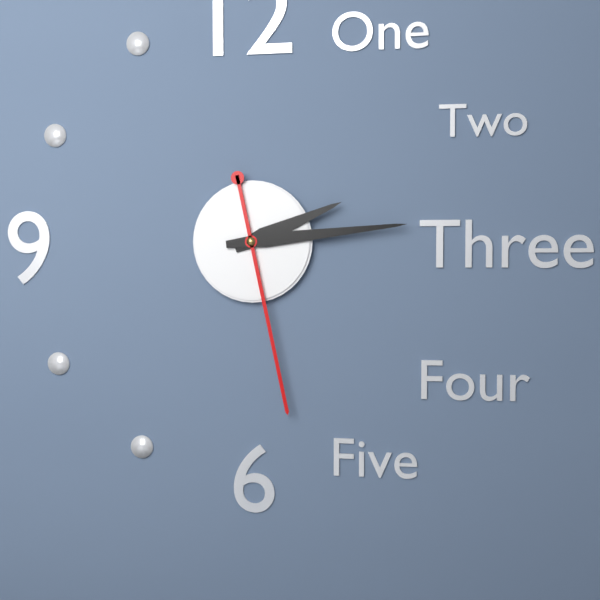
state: 2:14:28
